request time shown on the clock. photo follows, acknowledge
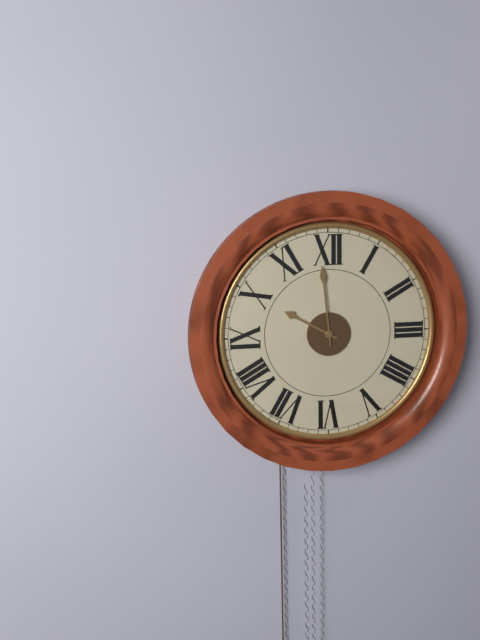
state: 9:59
